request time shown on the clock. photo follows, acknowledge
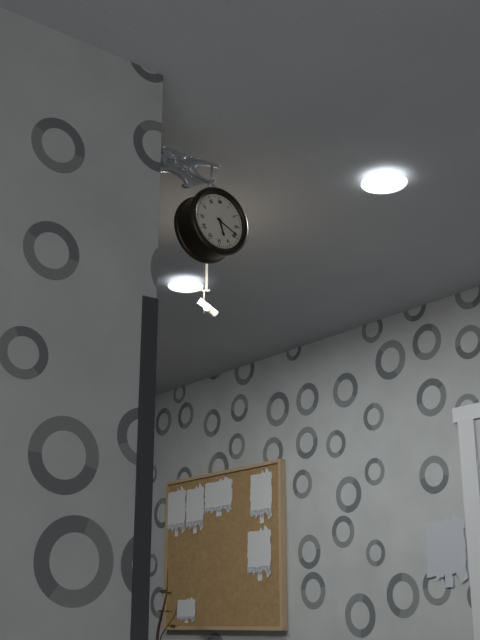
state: 5:19
